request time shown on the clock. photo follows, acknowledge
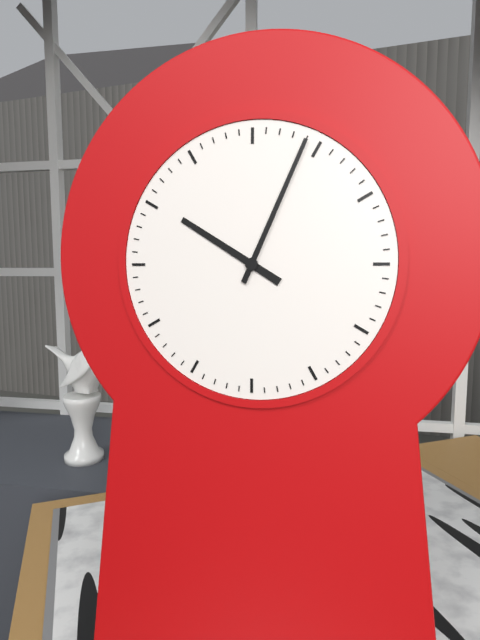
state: 10:04
